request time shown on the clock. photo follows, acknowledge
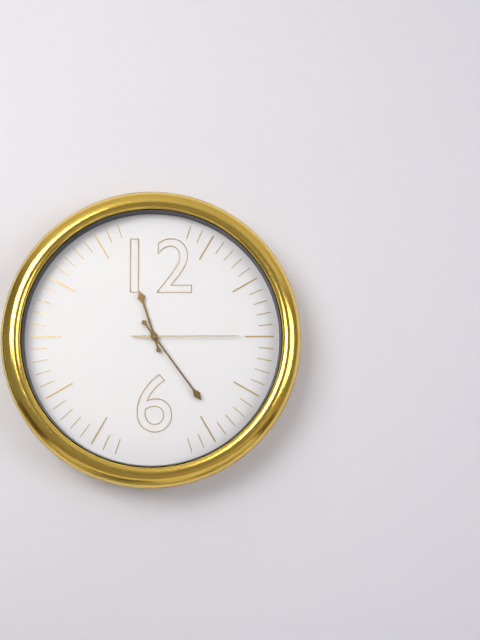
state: 11:24:15
